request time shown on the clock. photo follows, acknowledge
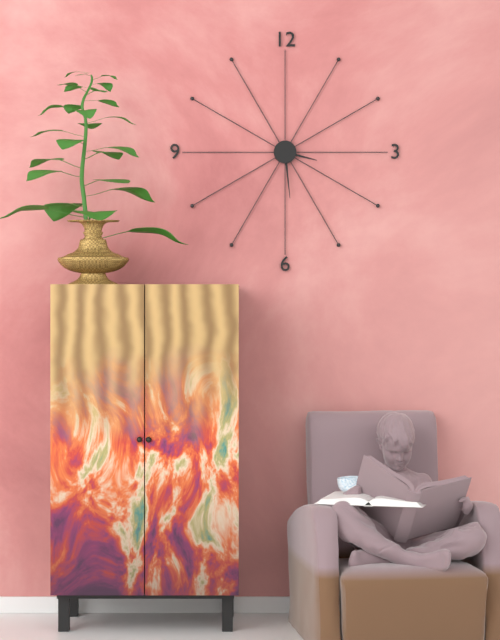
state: 3:29
